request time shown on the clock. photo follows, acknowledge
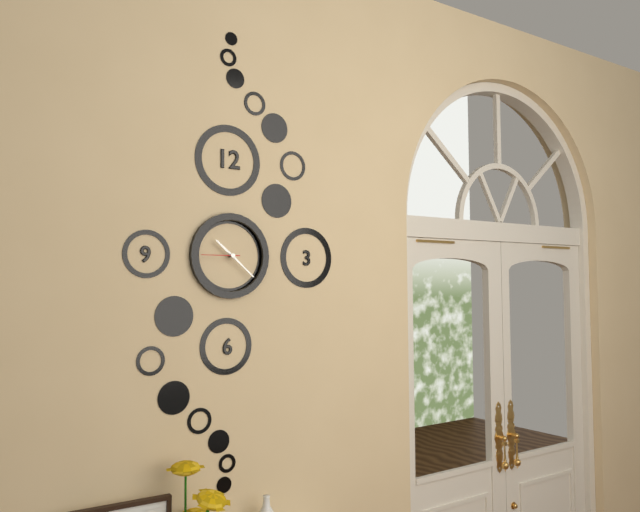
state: 10:22
